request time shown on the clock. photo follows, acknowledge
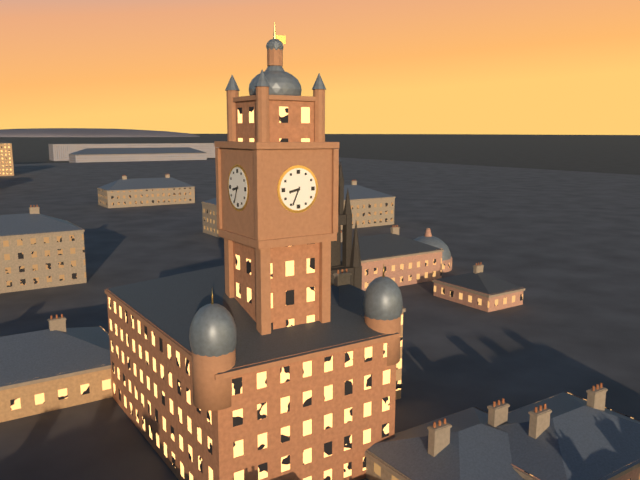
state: 8:34
